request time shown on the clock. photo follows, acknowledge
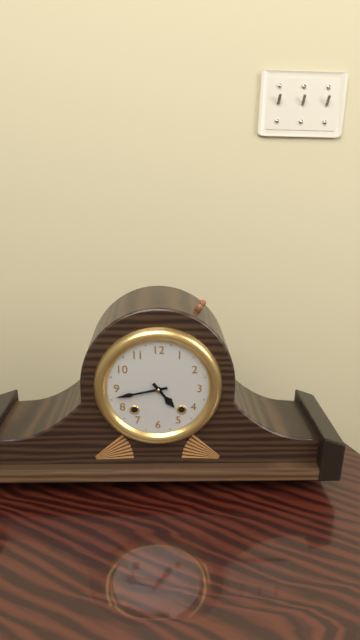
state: 4:43
